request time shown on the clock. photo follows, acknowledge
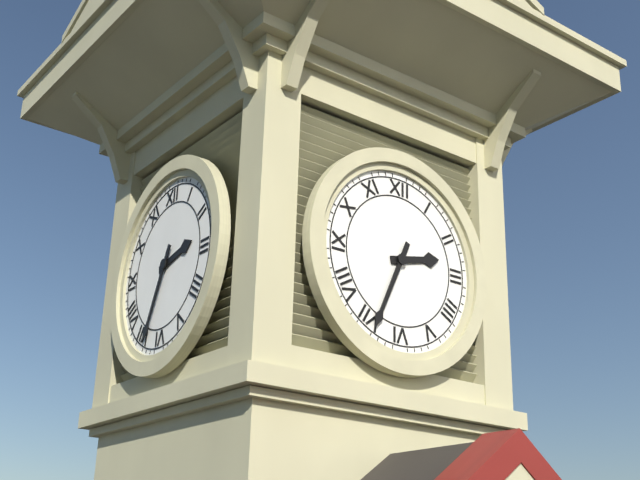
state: 2:34
